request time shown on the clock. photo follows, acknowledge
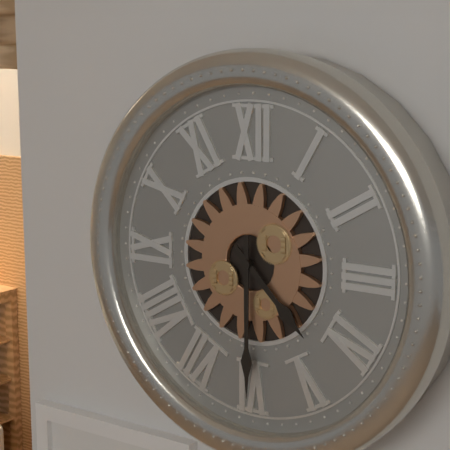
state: 4:30
